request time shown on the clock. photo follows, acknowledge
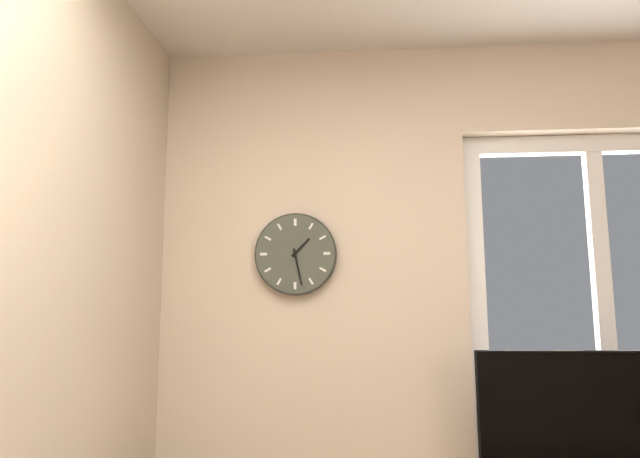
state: 1:28
